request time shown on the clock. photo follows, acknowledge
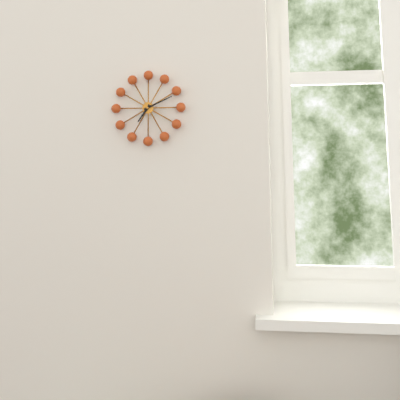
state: 7:11
